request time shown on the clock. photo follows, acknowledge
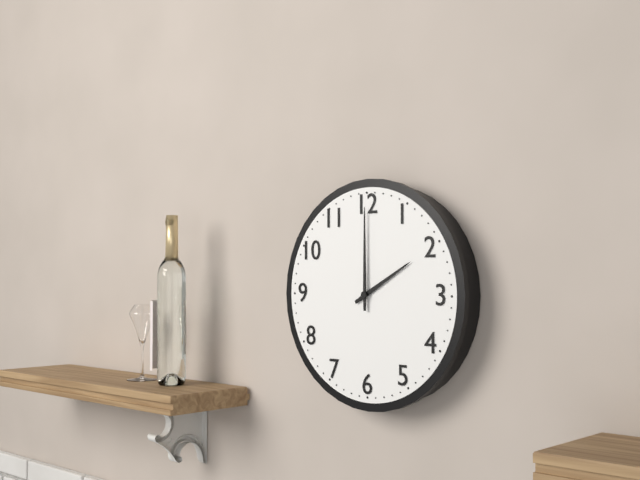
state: 2:00
